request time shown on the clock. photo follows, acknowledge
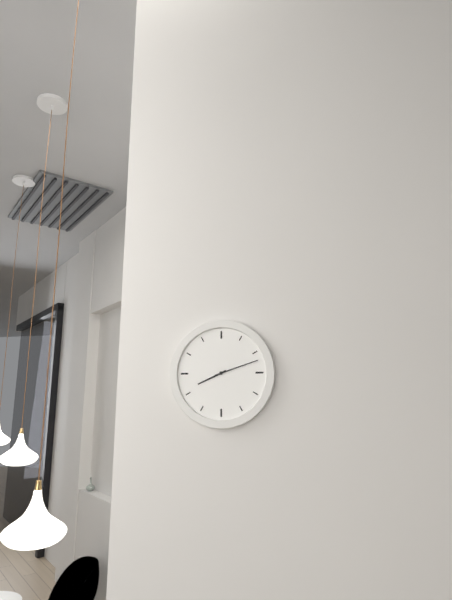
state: 8:12
